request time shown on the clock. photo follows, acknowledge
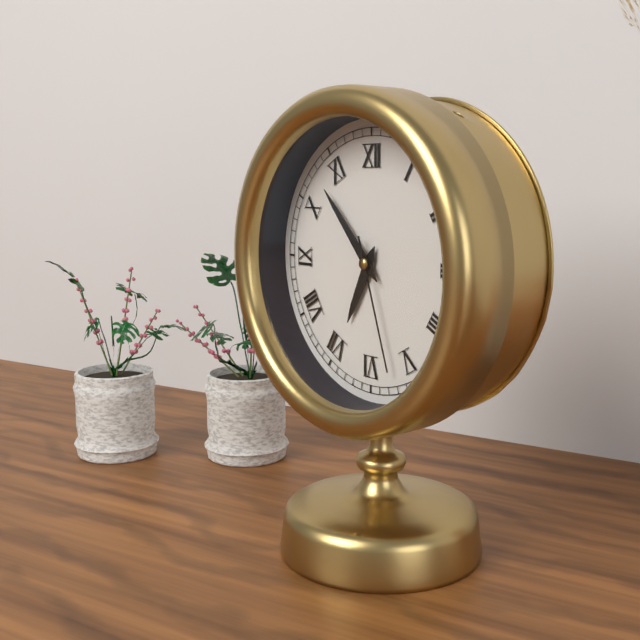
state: 6:53:27
